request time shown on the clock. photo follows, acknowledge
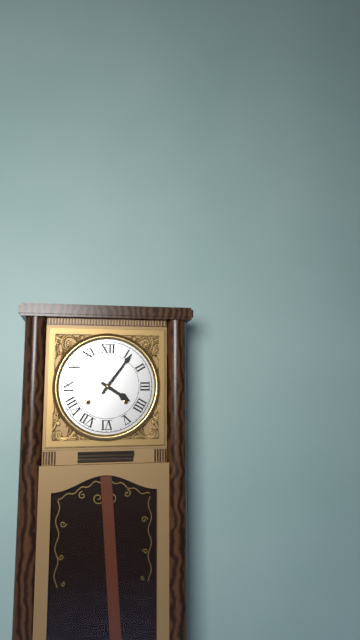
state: 4:06
